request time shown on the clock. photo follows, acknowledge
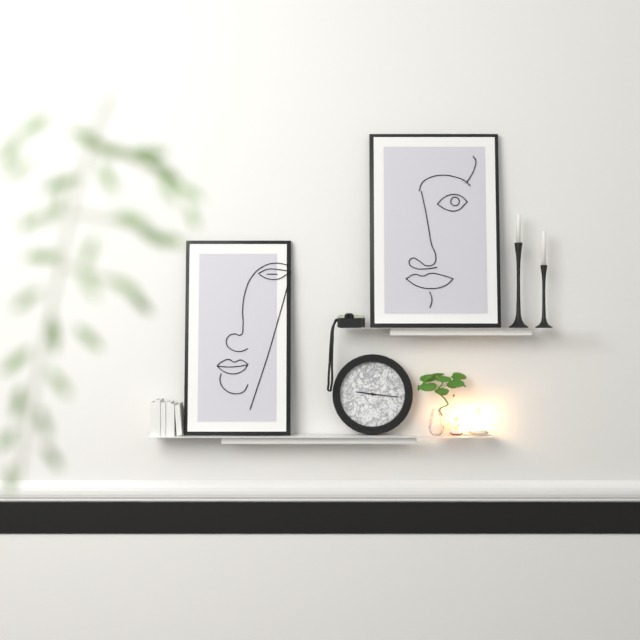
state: 9:16
